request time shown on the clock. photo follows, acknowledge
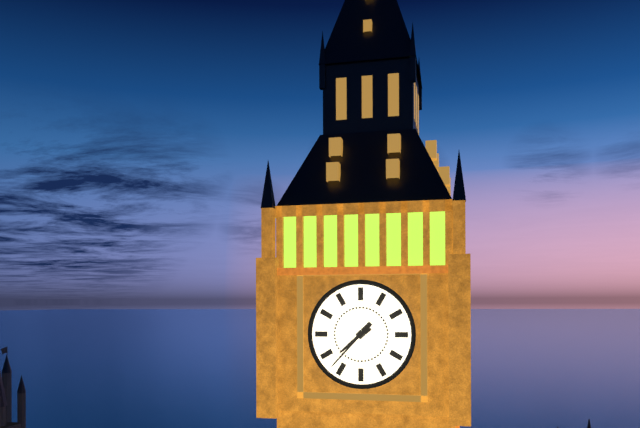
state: 7:37
